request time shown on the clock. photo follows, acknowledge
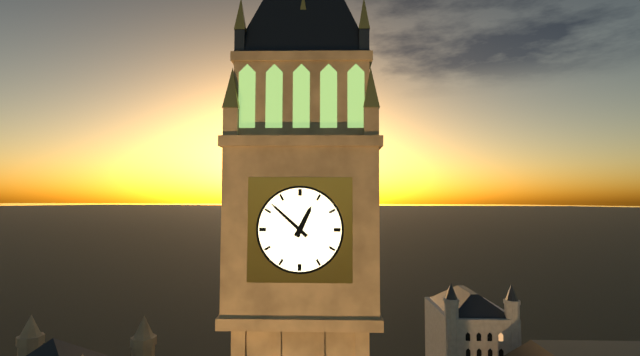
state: 12:52
